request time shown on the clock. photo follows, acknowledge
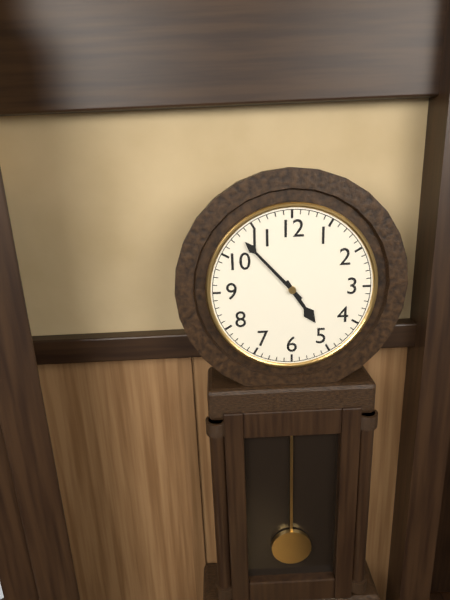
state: 4:53
